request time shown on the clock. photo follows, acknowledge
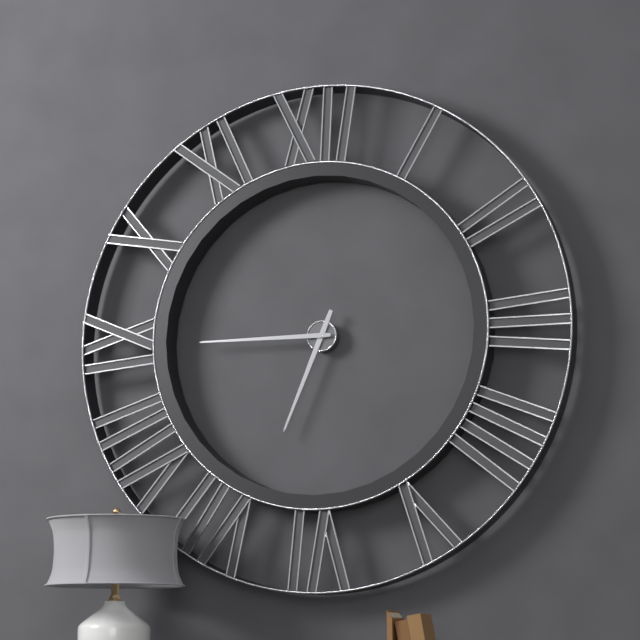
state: 6:45
